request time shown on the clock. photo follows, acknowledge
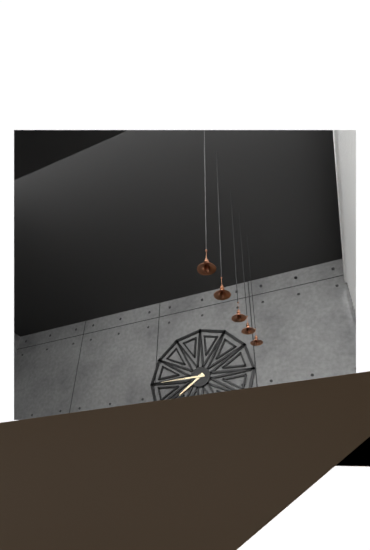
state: 7:45
